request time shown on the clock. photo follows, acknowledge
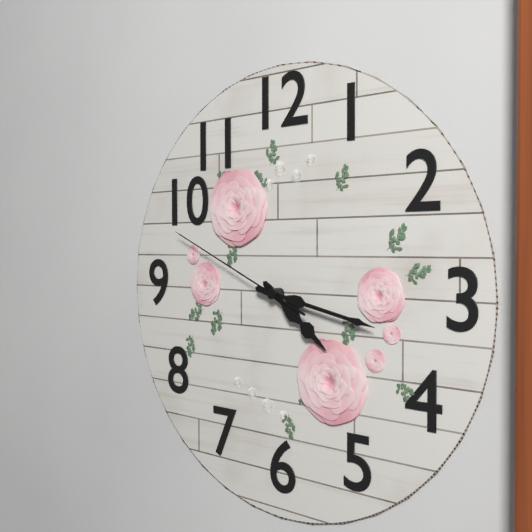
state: 4:17:49
